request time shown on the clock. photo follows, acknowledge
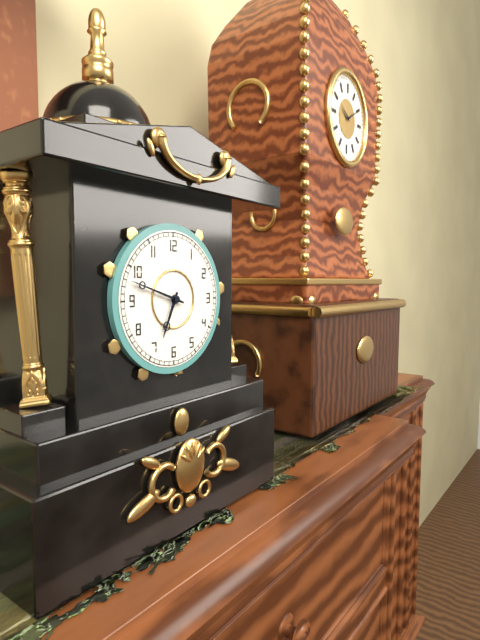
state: 6:48
